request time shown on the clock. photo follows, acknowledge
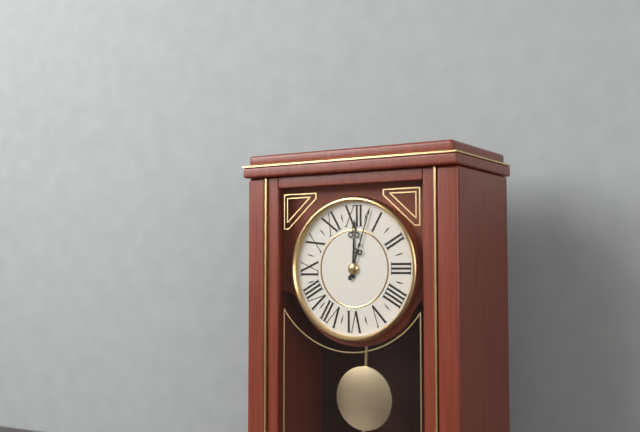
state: 12:03
